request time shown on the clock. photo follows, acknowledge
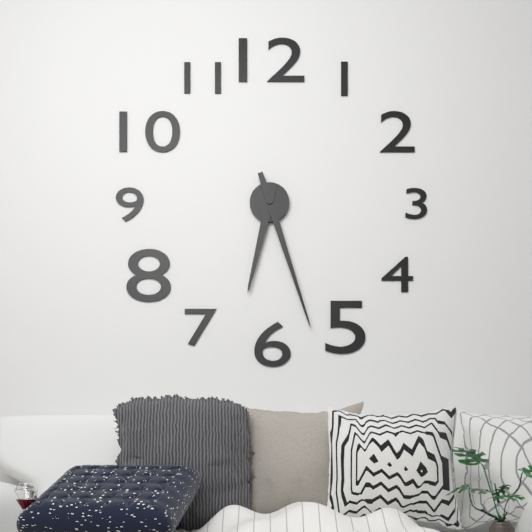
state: 6:27
